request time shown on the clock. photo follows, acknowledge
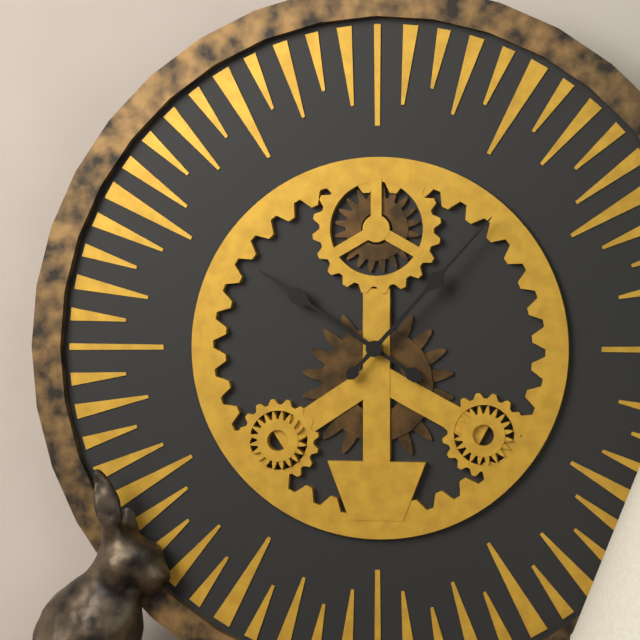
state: 10:07
